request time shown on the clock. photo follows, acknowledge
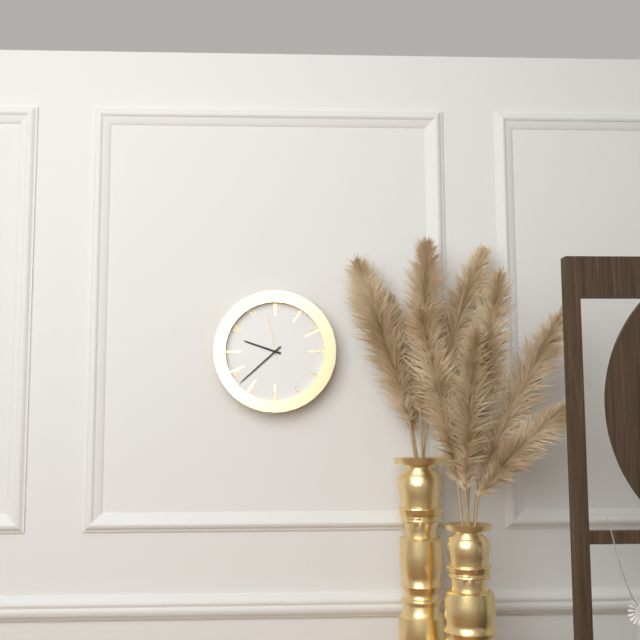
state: 9:38:58
